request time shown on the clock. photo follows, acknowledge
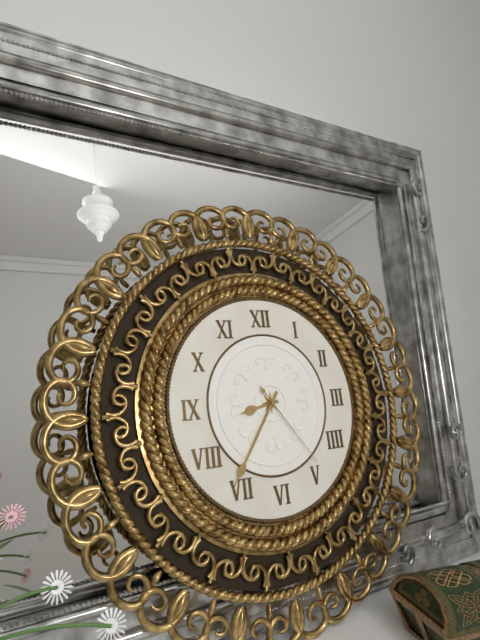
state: 8:36:24
